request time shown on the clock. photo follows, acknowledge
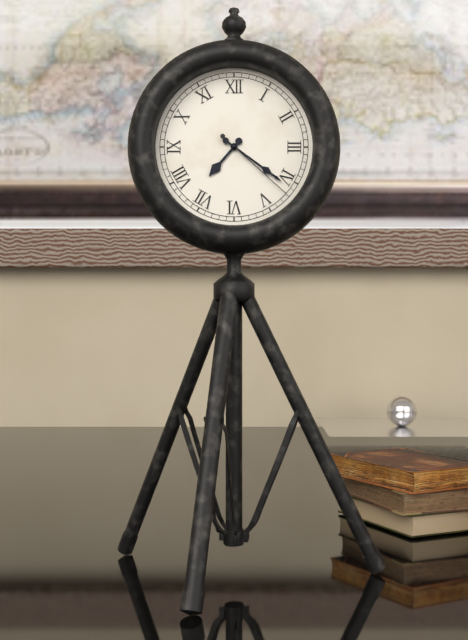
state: 7:21:22
